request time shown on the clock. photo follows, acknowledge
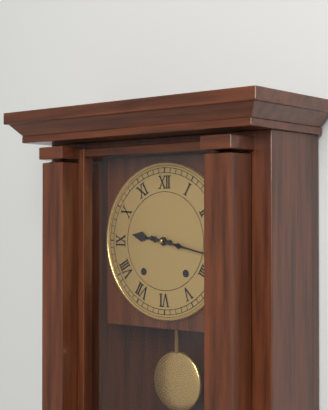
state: 9:17
